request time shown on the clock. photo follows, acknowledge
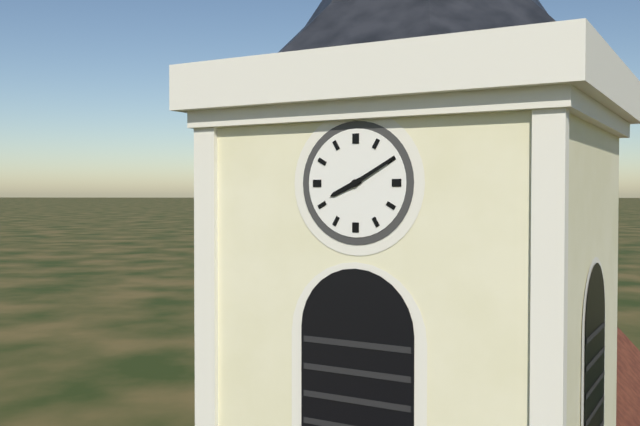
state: 8:10
